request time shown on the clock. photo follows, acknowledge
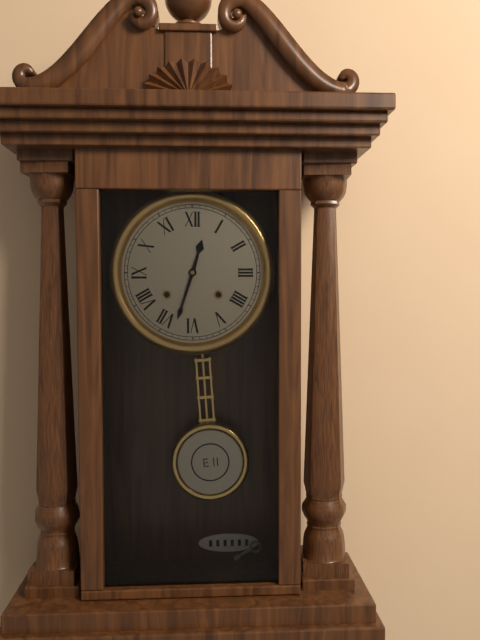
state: 12:33
